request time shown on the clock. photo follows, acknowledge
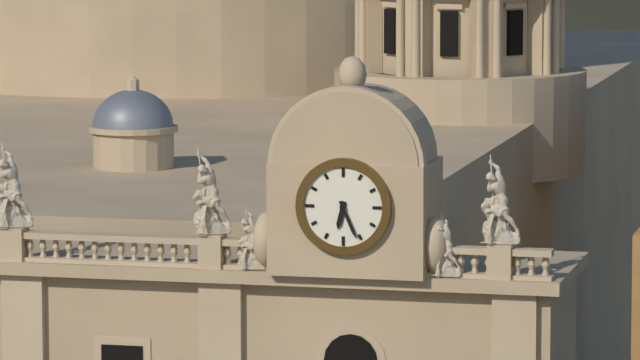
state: 6:26
